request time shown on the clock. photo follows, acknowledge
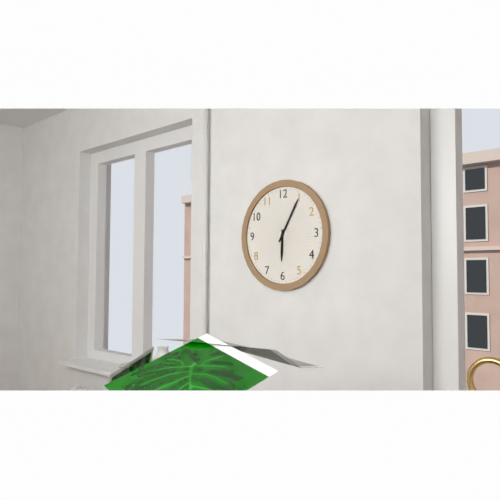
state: 6:05
